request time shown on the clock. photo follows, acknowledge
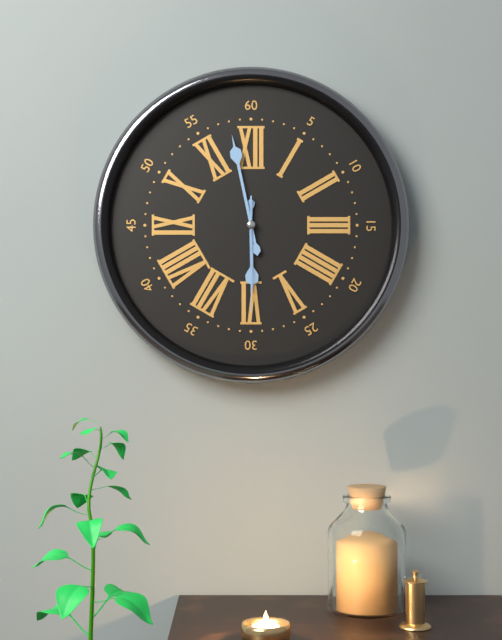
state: 5:58:30
